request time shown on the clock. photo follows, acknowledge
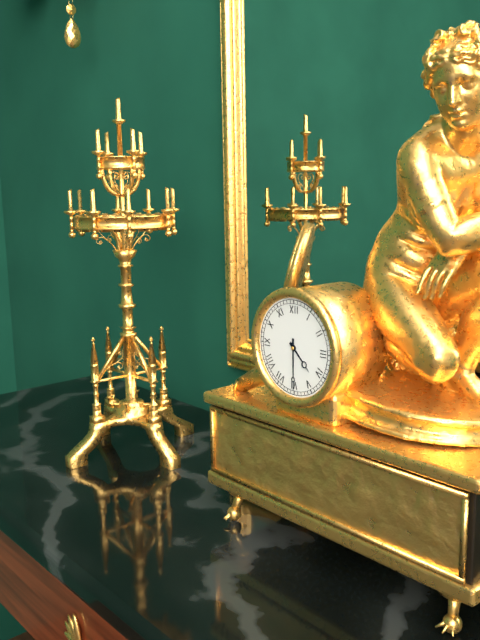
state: 4:30
